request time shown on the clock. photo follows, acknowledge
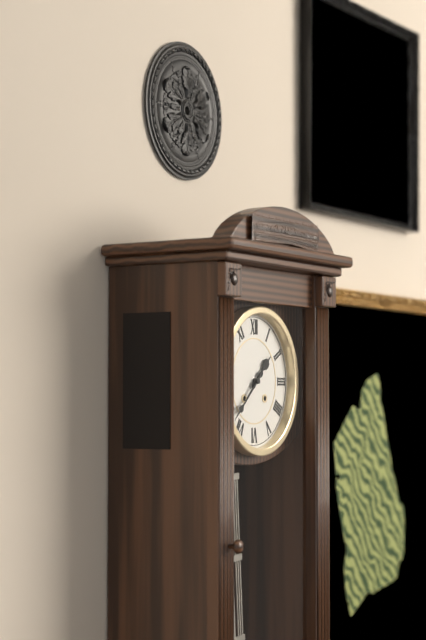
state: 1:38
